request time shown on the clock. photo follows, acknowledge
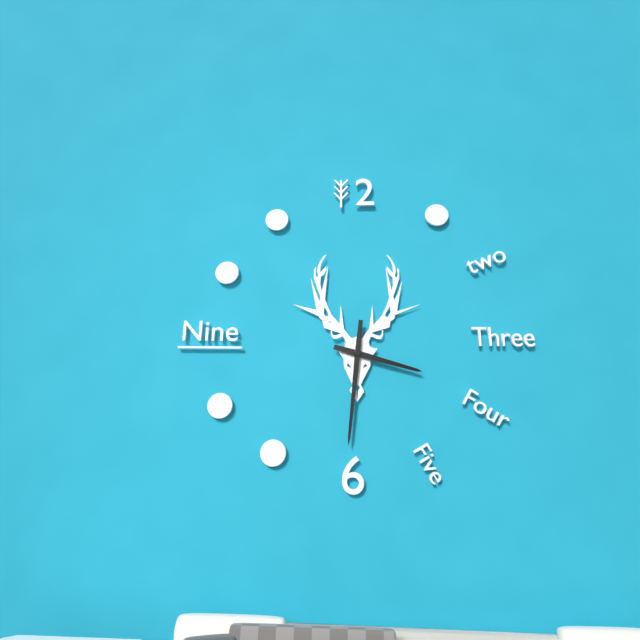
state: 3:31
